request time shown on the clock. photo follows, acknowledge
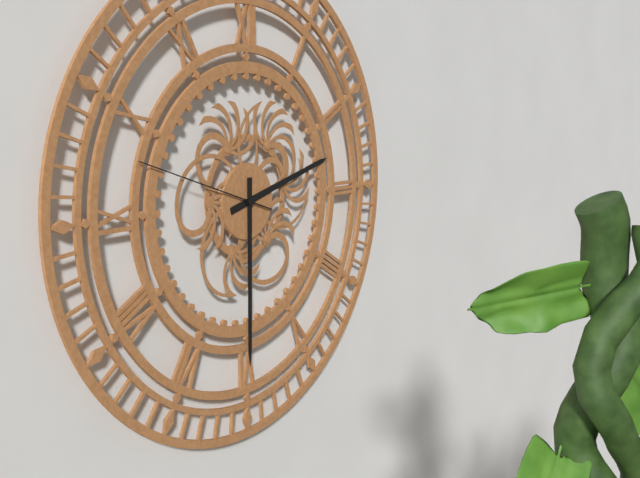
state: 2:30:48
